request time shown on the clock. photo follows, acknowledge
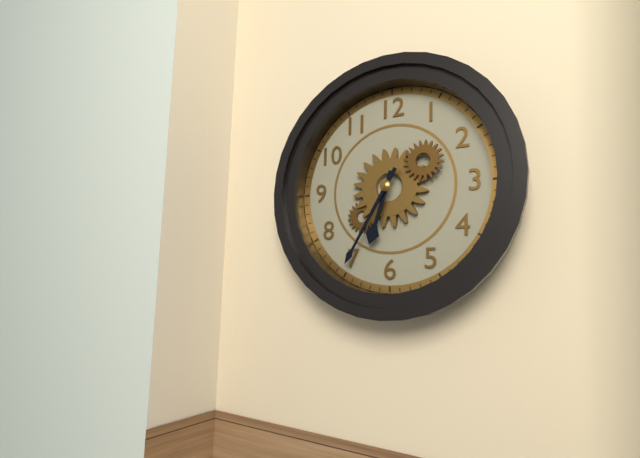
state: 6:35
